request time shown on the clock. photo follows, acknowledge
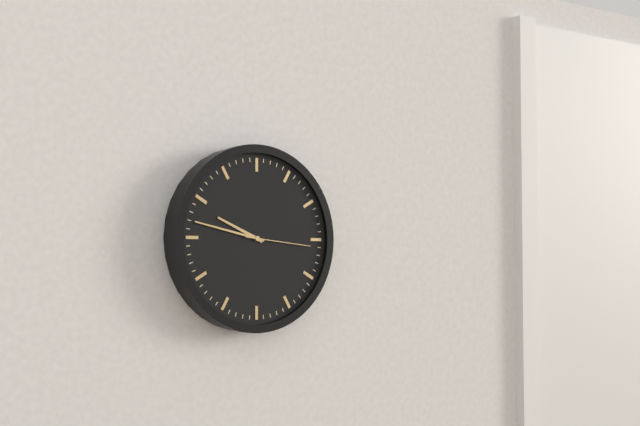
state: 9:47:16
